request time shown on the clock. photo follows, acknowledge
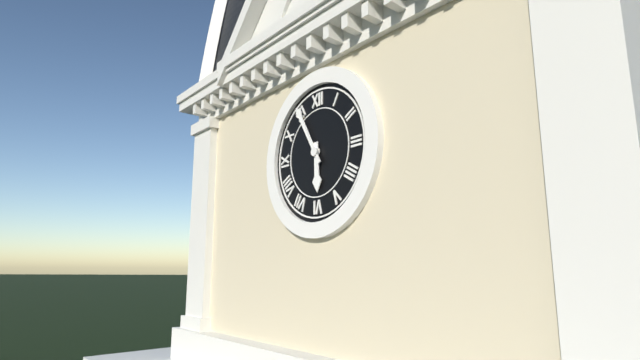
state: 5:55
